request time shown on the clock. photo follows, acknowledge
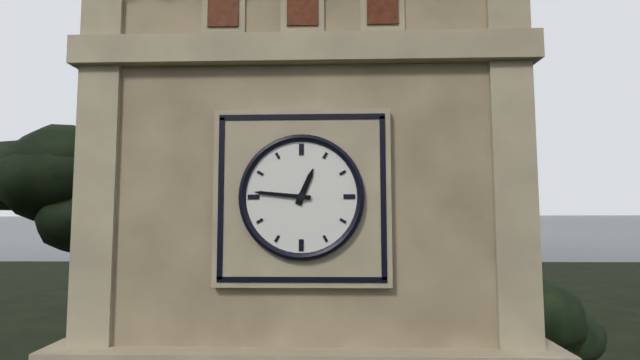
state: 12:46
